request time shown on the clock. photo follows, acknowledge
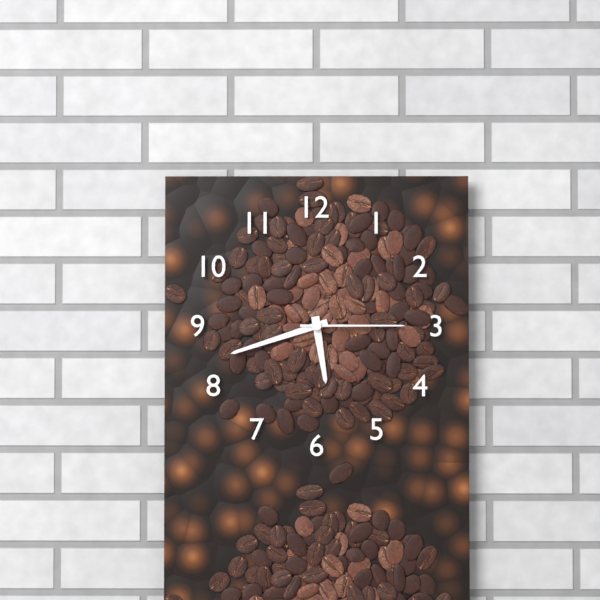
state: 5:42:15
